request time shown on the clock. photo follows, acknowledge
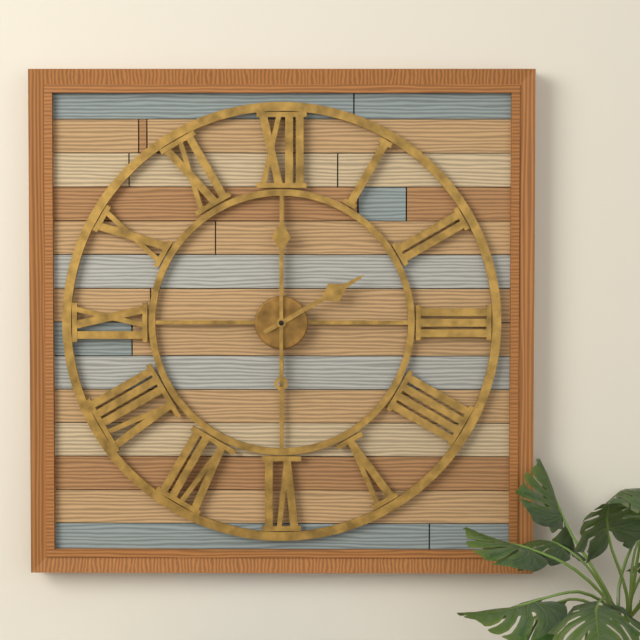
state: 2:00
